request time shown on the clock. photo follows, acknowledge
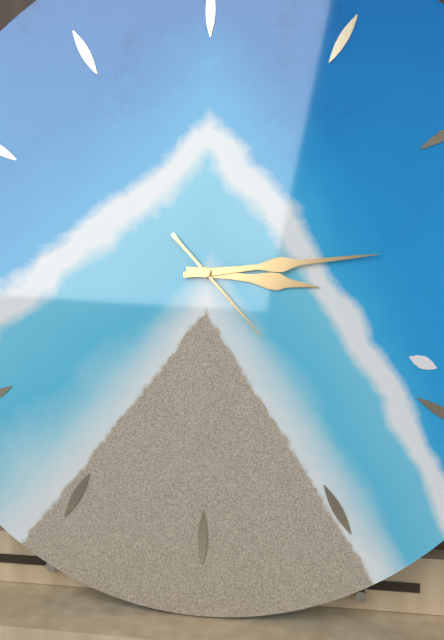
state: 3:14:23
